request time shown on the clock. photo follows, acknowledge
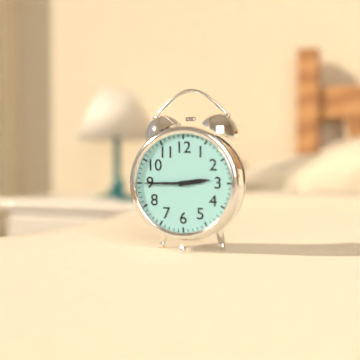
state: 2:45
